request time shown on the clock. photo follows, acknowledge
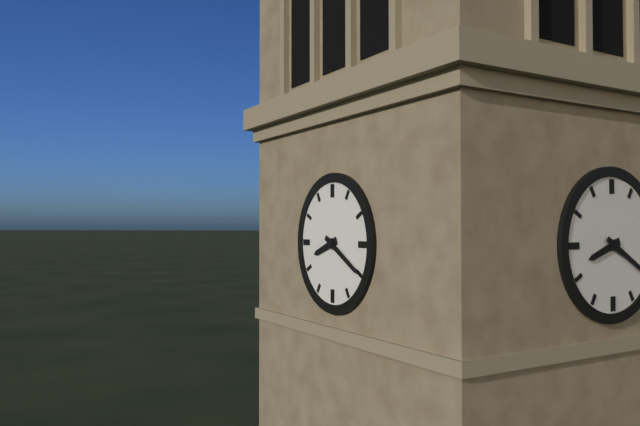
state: 8:20
